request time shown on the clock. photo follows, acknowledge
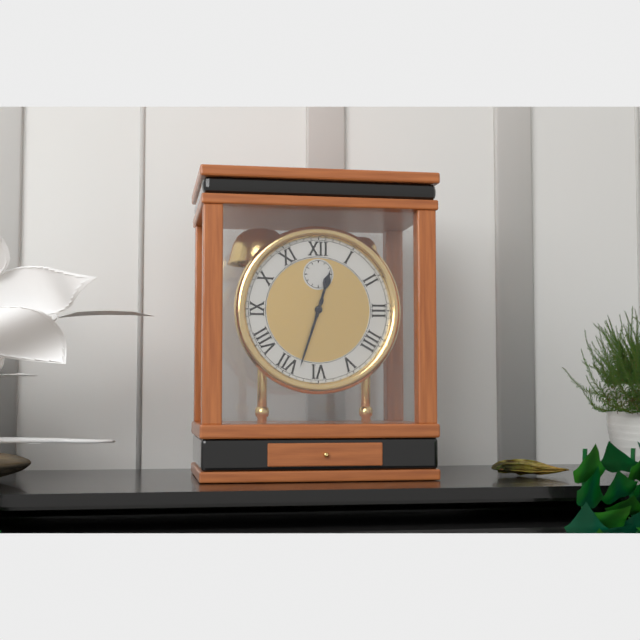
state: 12:33
